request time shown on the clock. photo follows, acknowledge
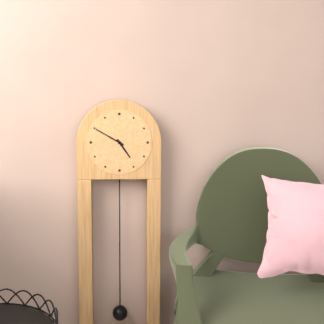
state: 4:50
